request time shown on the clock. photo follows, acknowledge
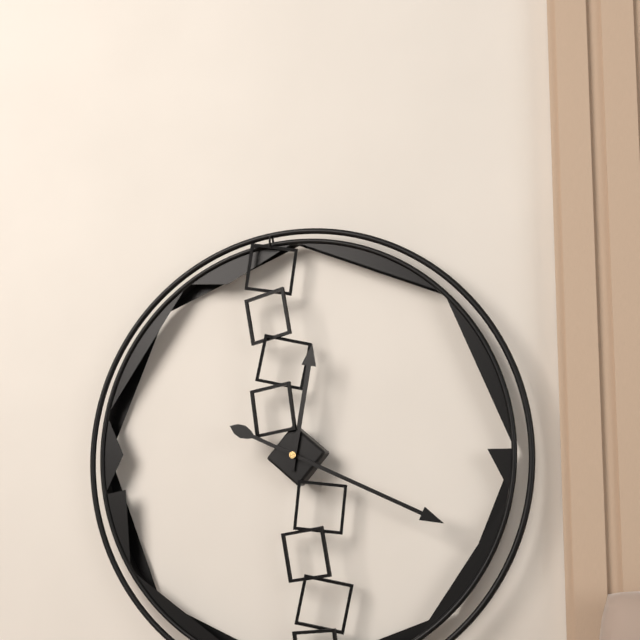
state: 12:19
